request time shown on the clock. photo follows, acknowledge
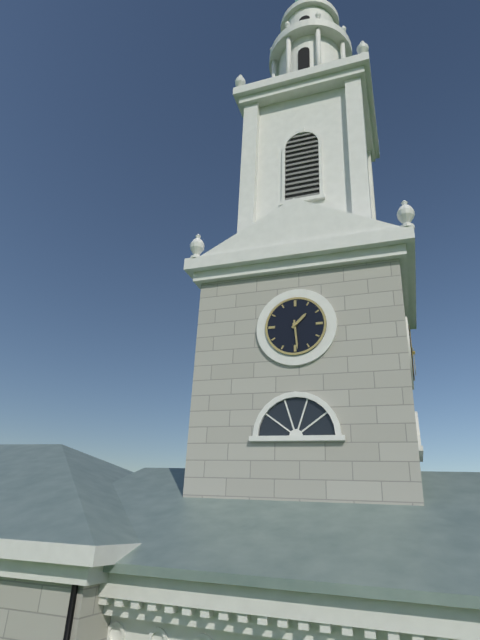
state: 1:29
